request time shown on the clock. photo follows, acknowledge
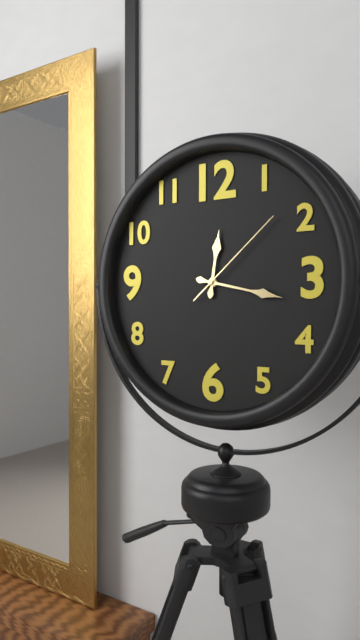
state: 12:17:08
